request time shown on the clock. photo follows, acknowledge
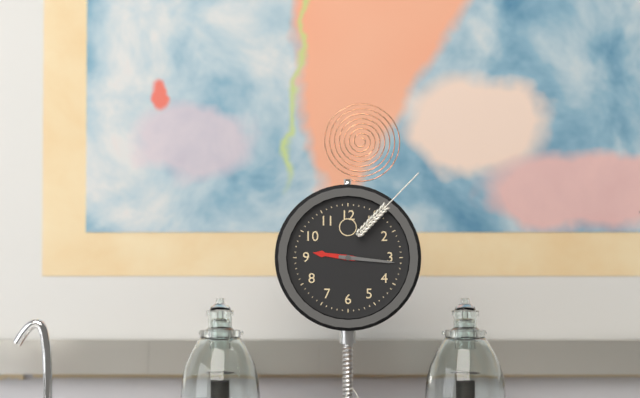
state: 9:16
